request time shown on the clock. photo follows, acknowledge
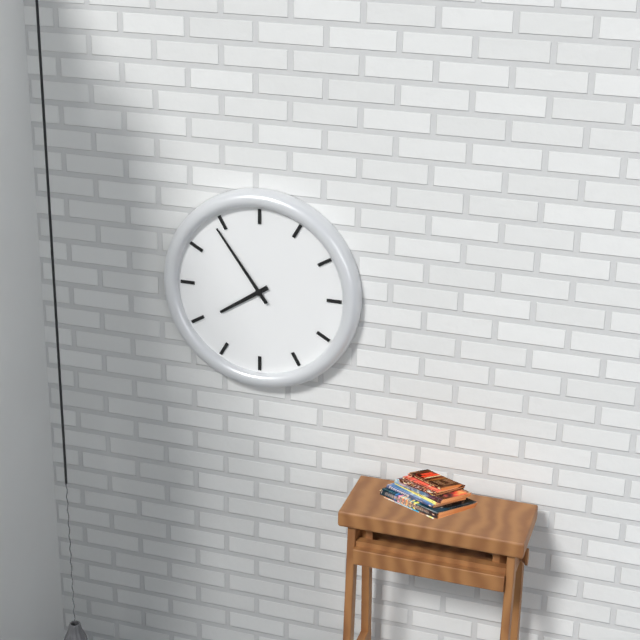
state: 7:54
